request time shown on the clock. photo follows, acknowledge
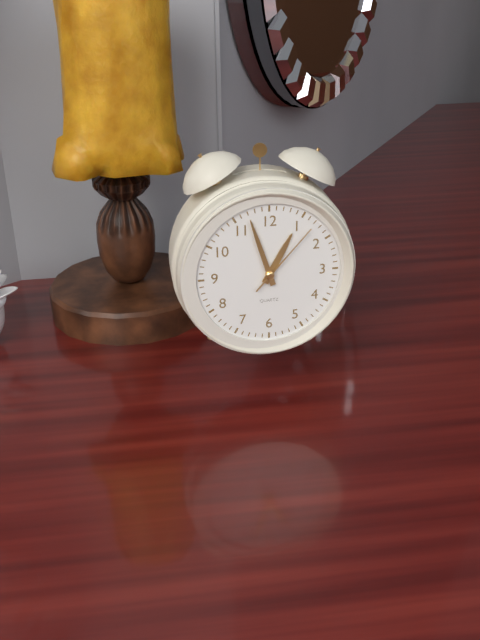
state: 12:57:07
